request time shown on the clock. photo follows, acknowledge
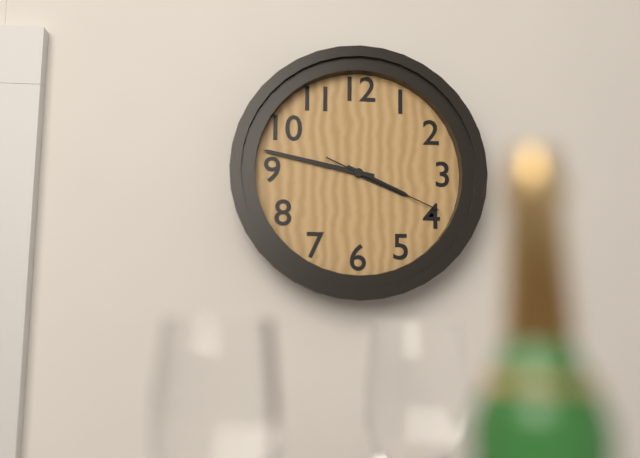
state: 3:47:19
